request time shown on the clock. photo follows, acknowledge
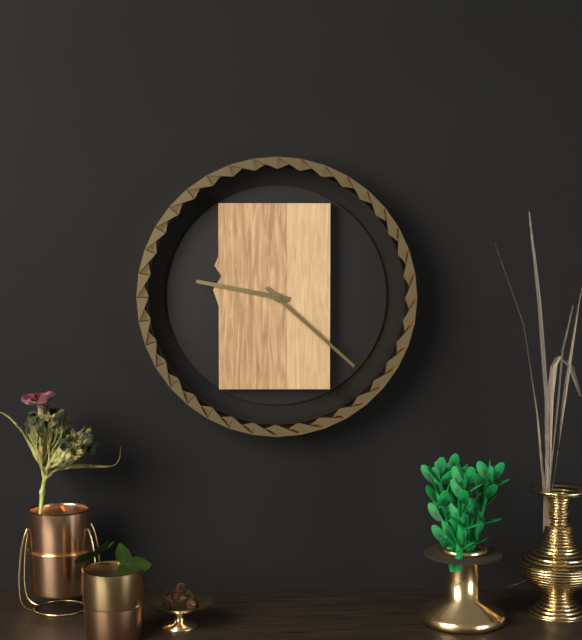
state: 9:22
